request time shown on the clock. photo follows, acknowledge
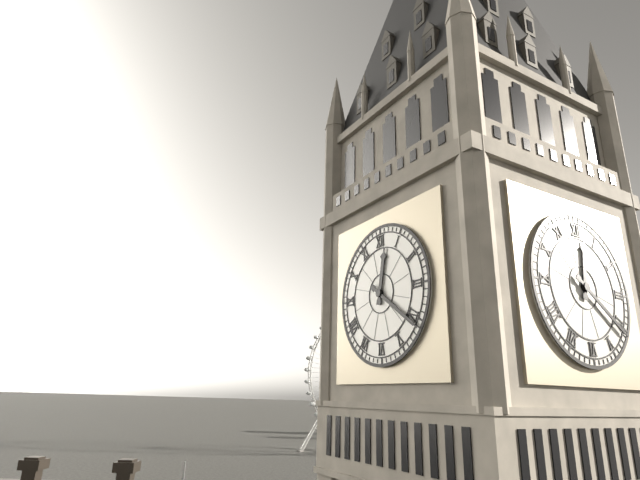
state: 12:21
